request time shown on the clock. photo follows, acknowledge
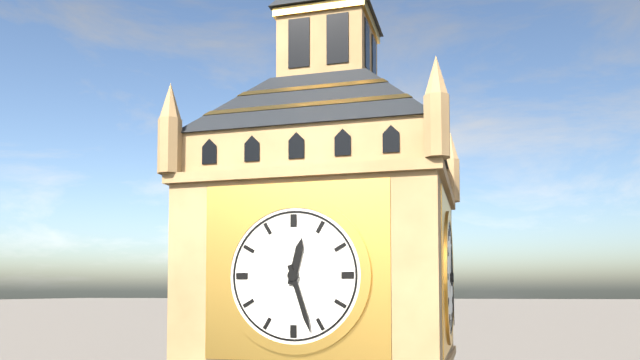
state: 12:27
